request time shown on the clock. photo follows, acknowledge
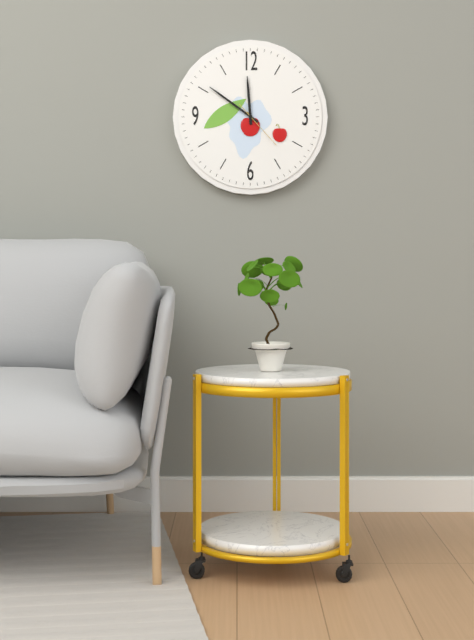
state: 11:51
